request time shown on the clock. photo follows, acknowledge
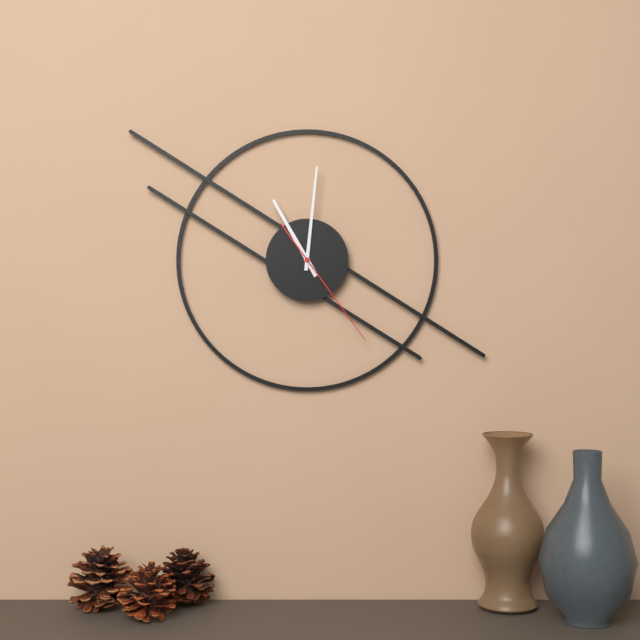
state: 11:01:24
